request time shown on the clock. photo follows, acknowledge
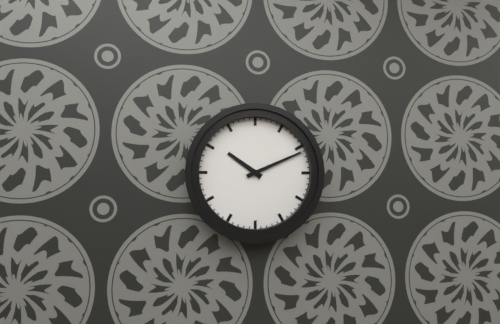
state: 10:11
